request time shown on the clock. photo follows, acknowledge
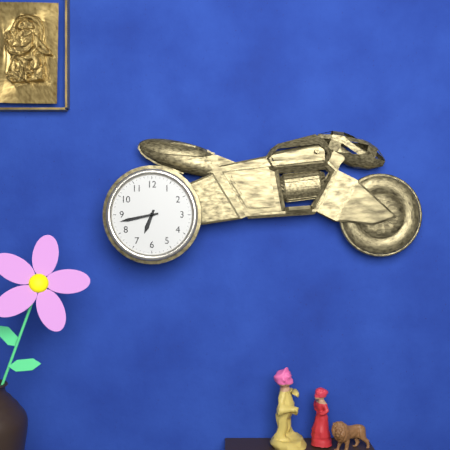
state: 6:43
